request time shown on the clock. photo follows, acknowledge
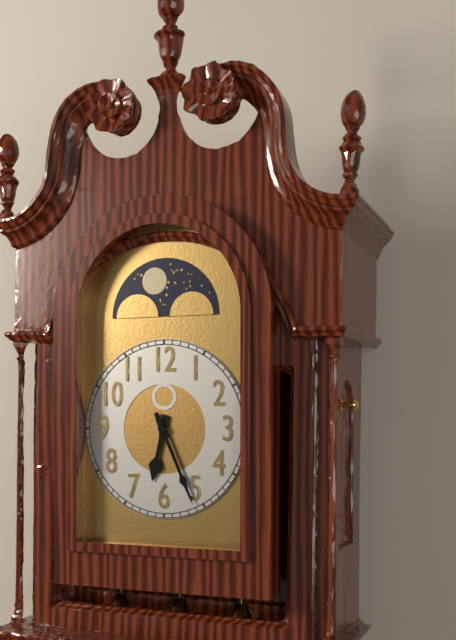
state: 6:26
